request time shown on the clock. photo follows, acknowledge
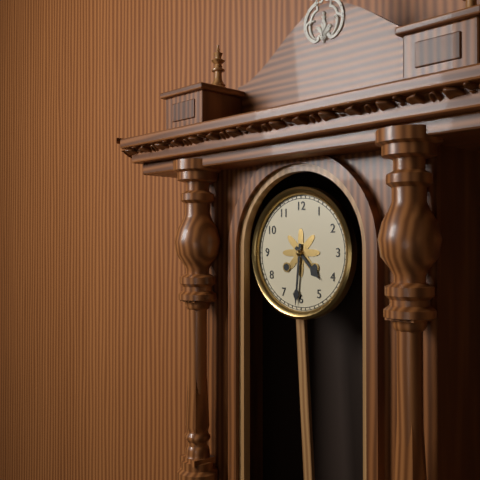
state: 4:31
